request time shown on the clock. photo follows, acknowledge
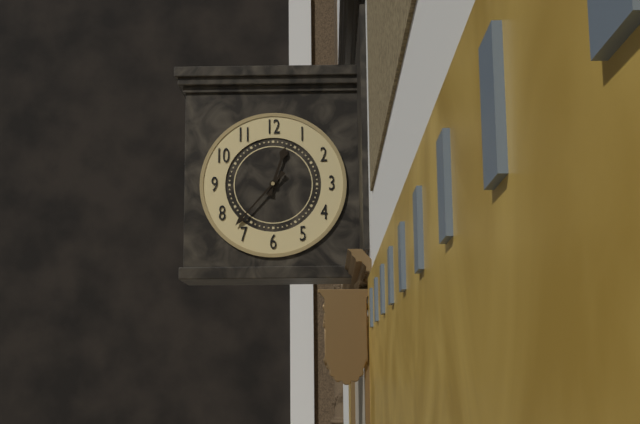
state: 12:37
